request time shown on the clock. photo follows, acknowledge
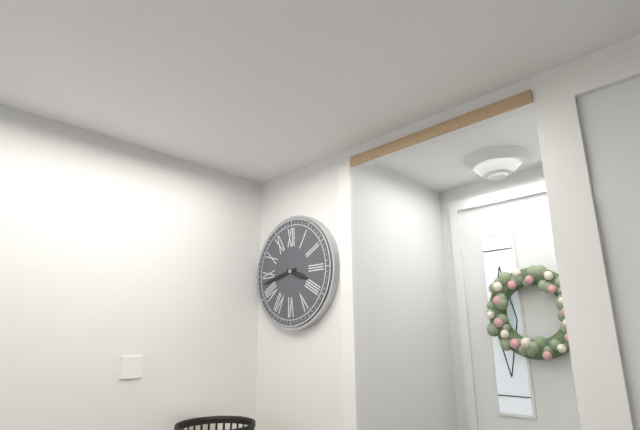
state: 3:43
